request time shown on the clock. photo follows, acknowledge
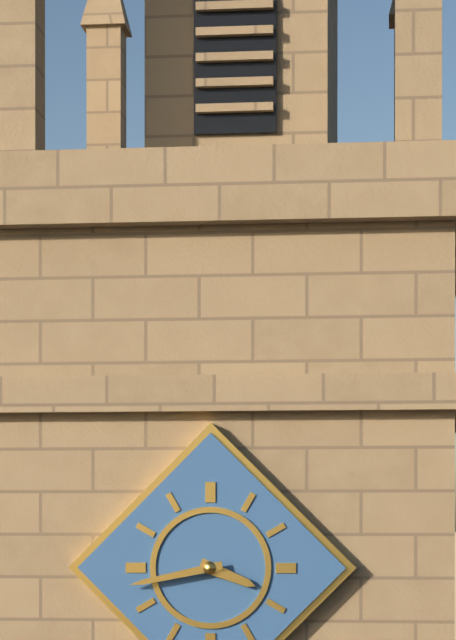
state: 3:43
